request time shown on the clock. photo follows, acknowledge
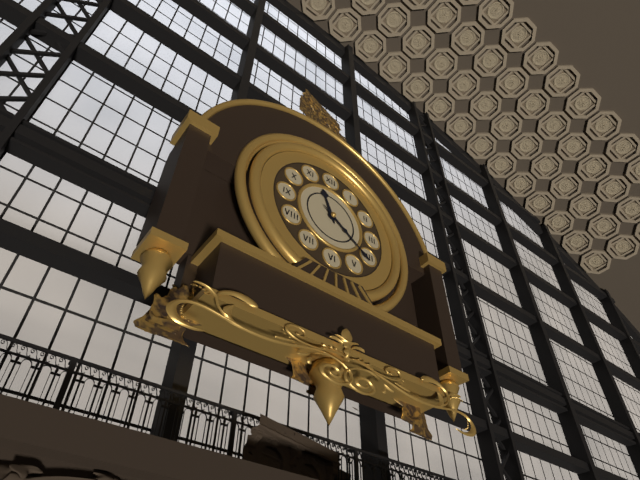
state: 11:21
